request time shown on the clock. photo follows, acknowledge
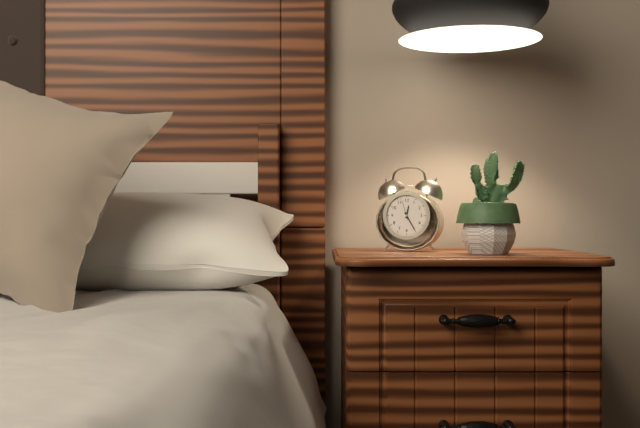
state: 12:25
